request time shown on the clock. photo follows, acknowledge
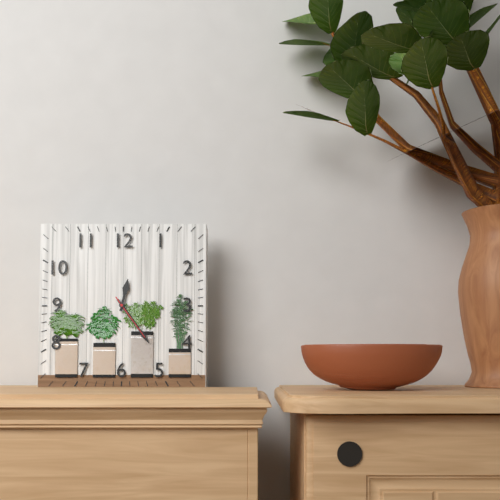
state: 12:24
